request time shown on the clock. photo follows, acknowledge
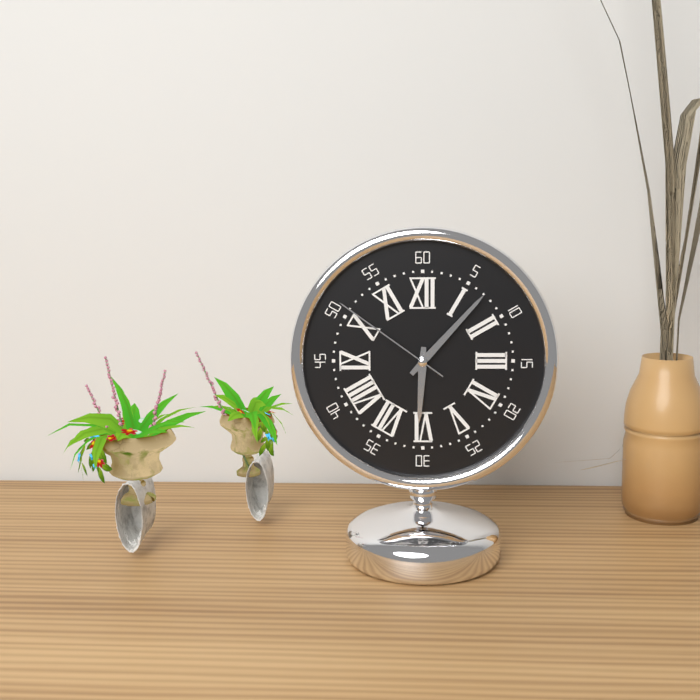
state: 6:07:51
